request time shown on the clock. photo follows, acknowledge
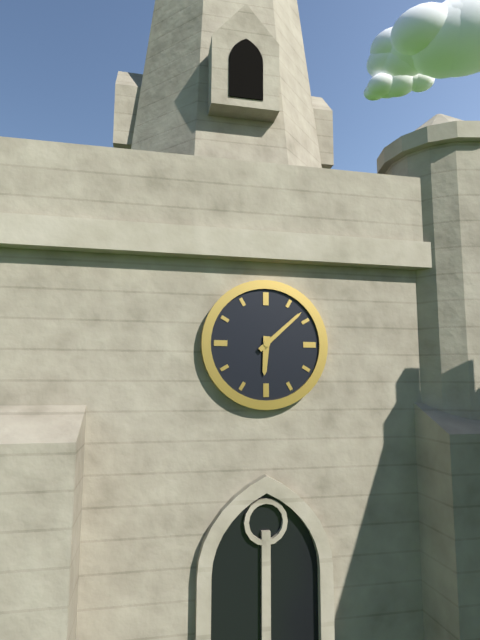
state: 6:08
